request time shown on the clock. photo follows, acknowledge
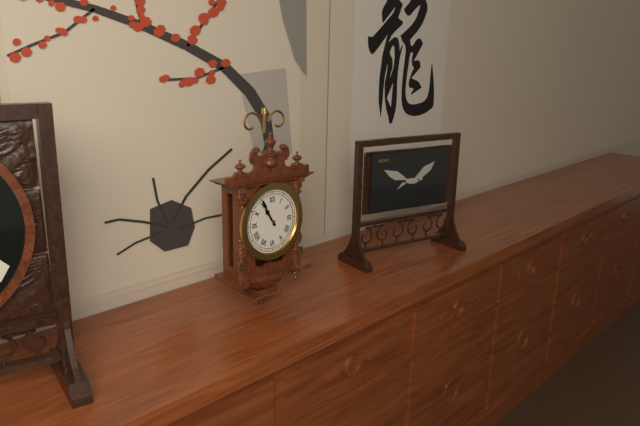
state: 10:55
